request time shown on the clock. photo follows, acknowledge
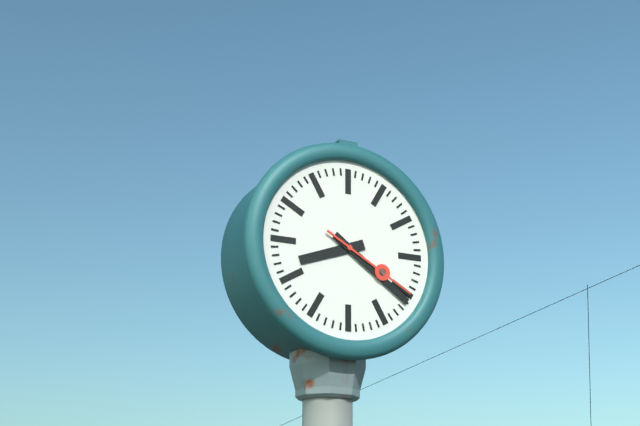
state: 8:21:20
